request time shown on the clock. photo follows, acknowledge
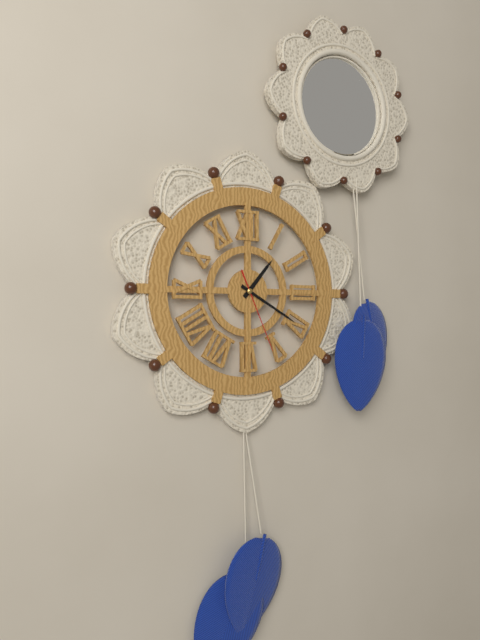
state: 1:20:26
